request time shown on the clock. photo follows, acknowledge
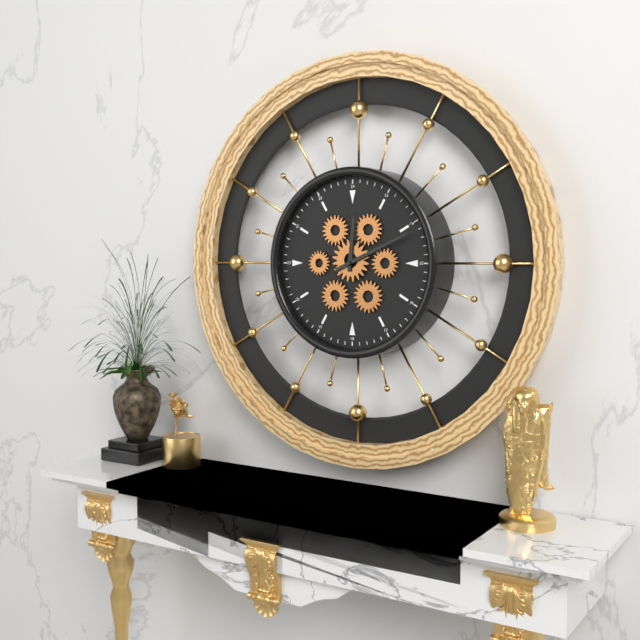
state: 12:11
